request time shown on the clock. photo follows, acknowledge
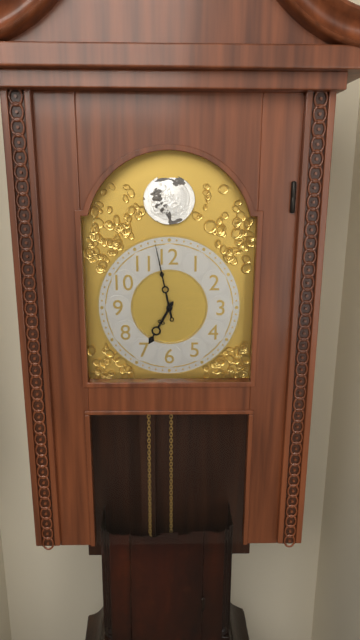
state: 6:58
